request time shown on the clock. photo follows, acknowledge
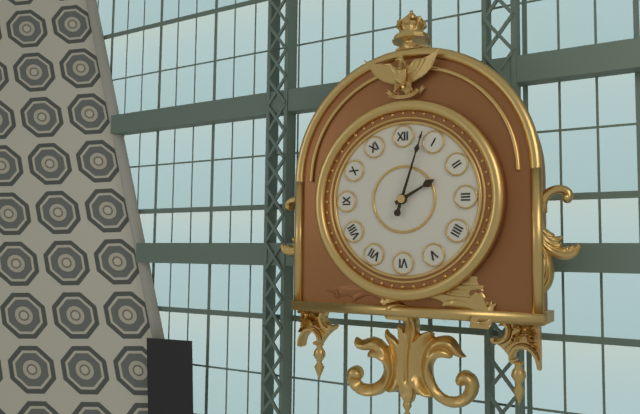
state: 2:03
